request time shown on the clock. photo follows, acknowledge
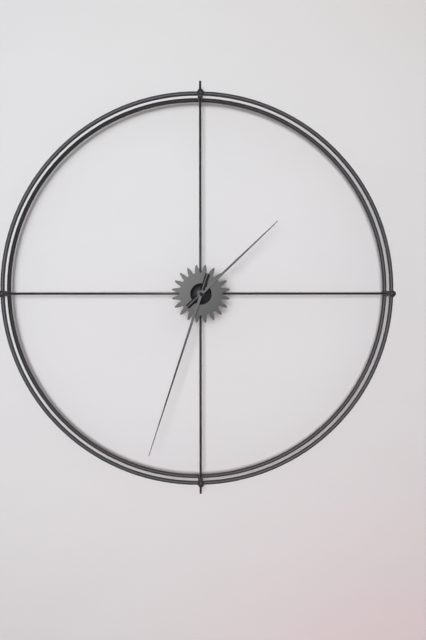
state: 1:33
